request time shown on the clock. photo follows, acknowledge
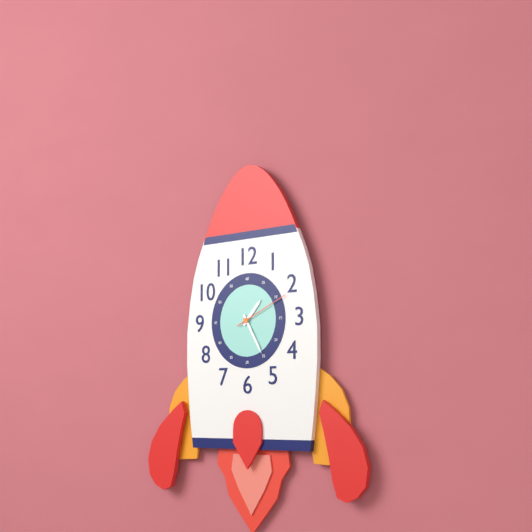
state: 1:25:11
